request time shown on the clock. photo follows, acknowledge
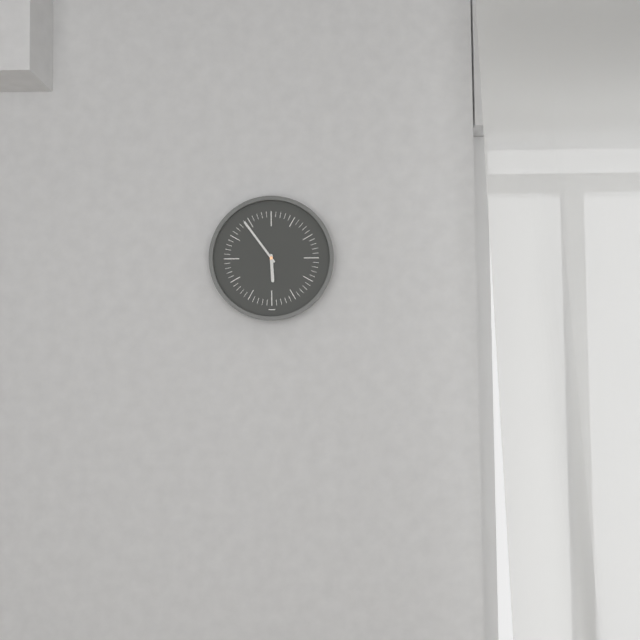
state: 5:54
